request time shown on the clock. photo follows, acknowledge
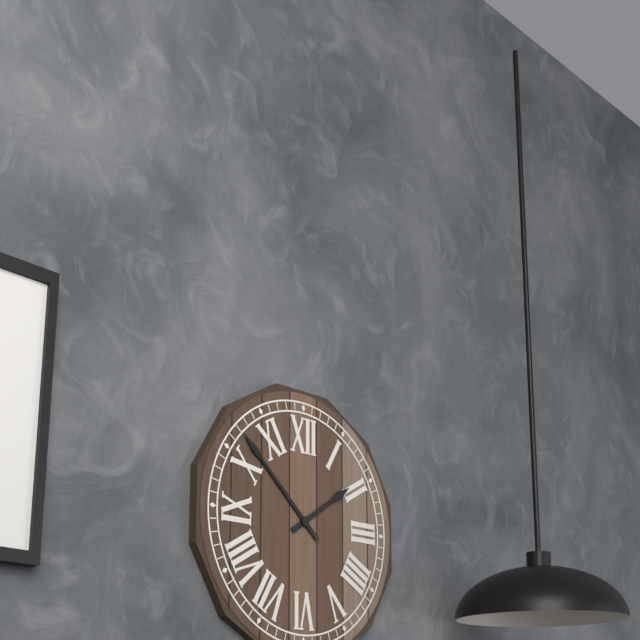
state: 1:52
